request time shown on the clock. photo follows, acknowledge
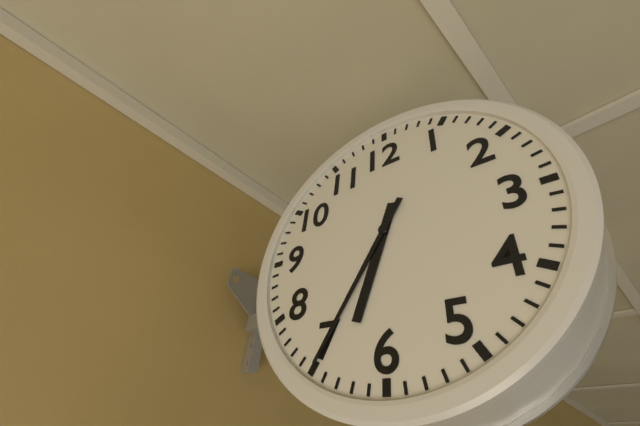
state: 6:35
